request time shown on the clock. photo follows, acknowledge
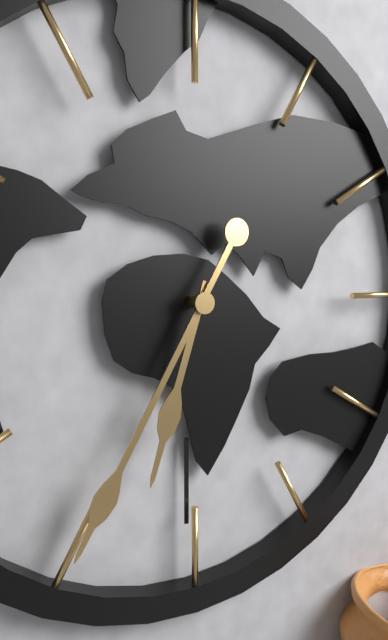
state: 6:35
